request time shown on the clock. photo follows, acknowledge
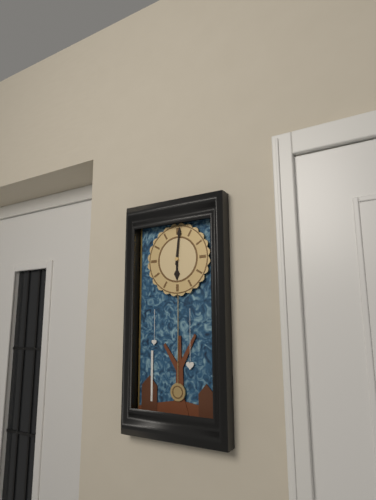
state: 6:01
